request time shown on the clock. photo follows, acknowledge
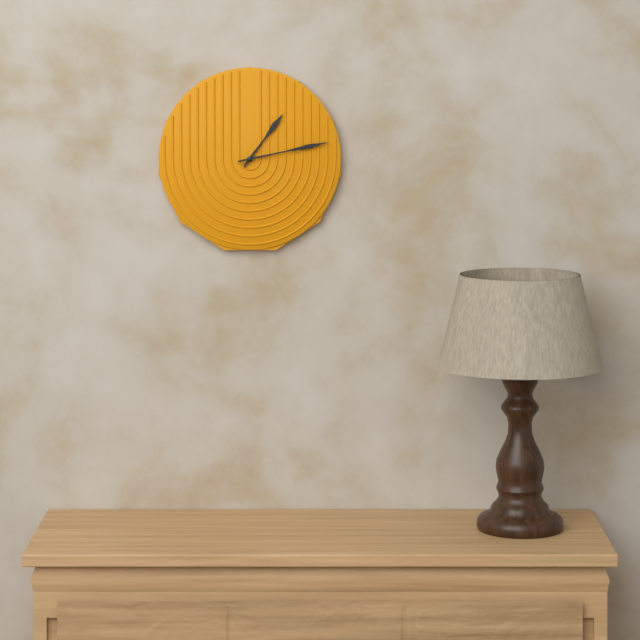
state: 1:13
